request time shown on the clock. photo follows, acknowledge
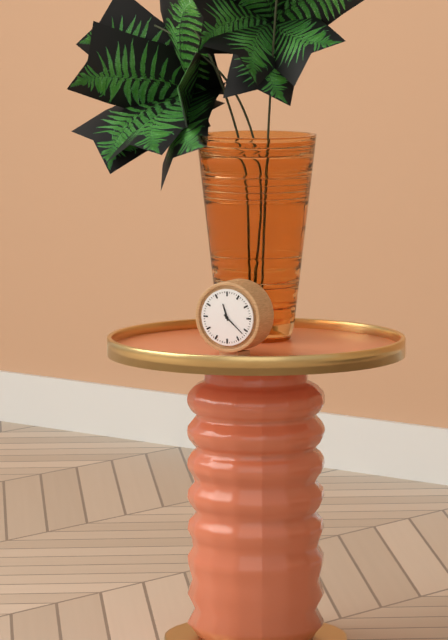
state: 11:22
